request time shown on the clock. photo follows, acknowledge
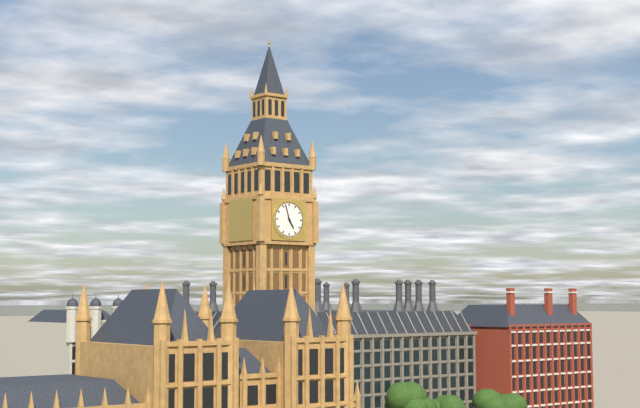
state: 4:57
